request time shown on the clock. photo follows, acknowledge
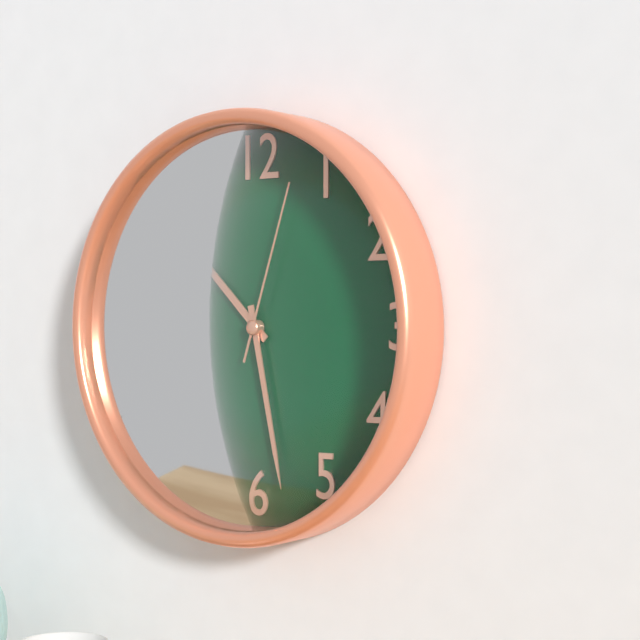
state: 10:28:03
